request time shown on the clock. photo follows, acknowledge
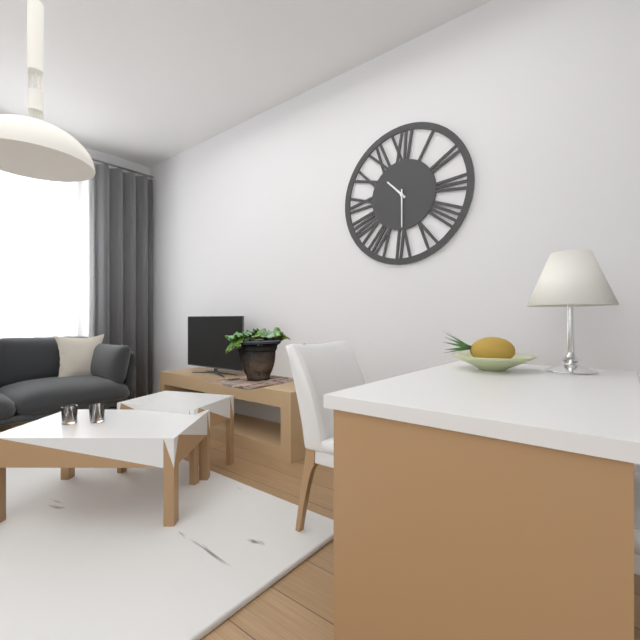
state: 10:30
